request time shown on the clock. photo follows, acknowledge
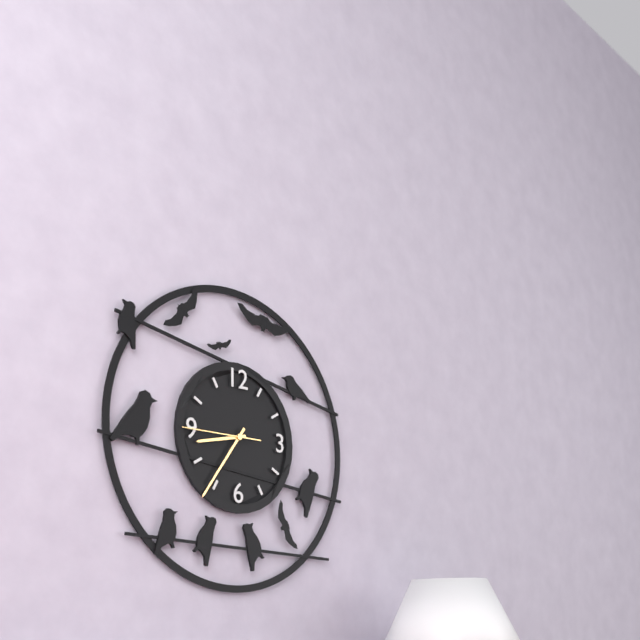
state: 8:36:45
